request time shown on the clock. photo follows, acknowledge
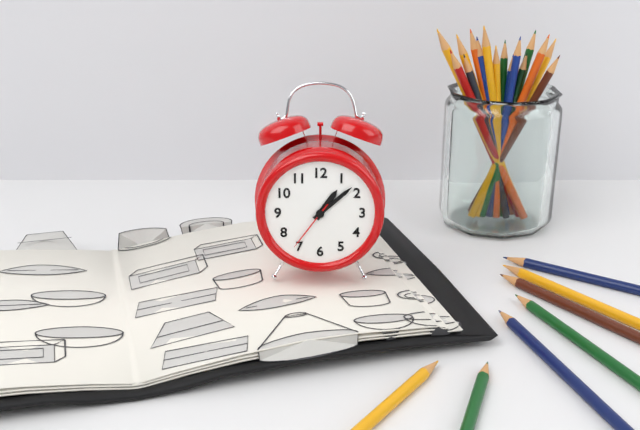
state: 1:08:36
